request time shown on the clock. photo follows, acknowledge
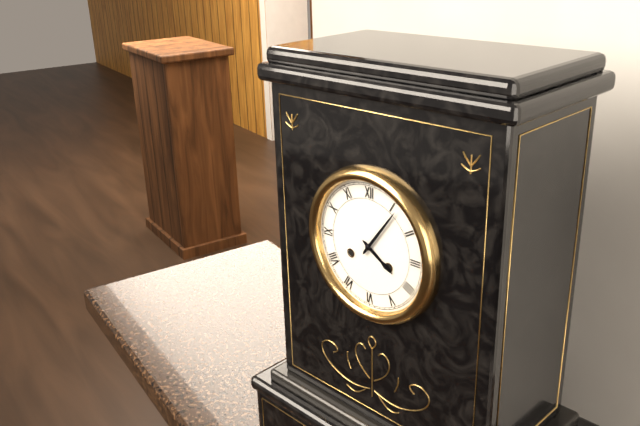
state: 4:06
